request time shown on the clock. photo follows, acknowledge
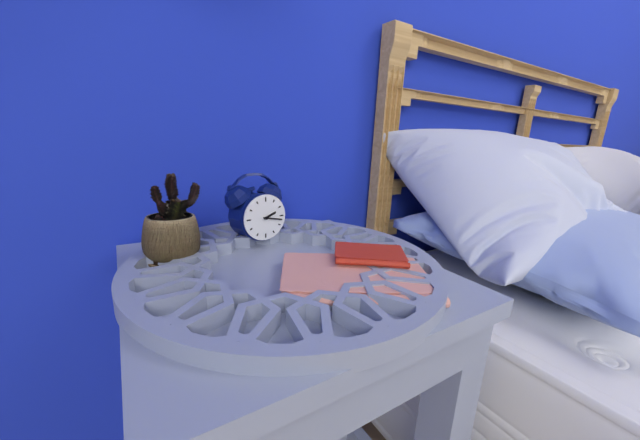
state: 2:17
